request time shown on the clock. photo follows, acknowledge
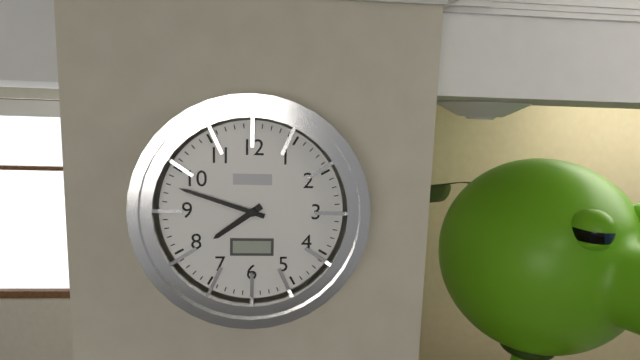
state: 7:48
